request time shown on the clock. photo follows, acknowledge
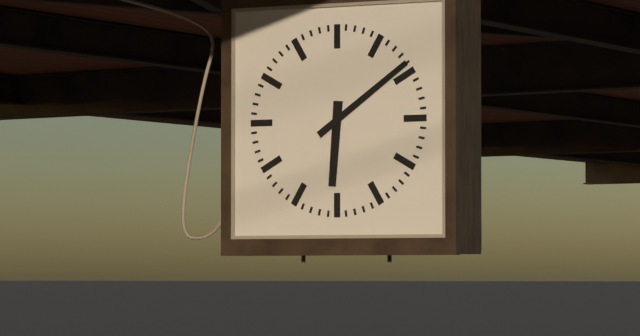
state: 6:09
